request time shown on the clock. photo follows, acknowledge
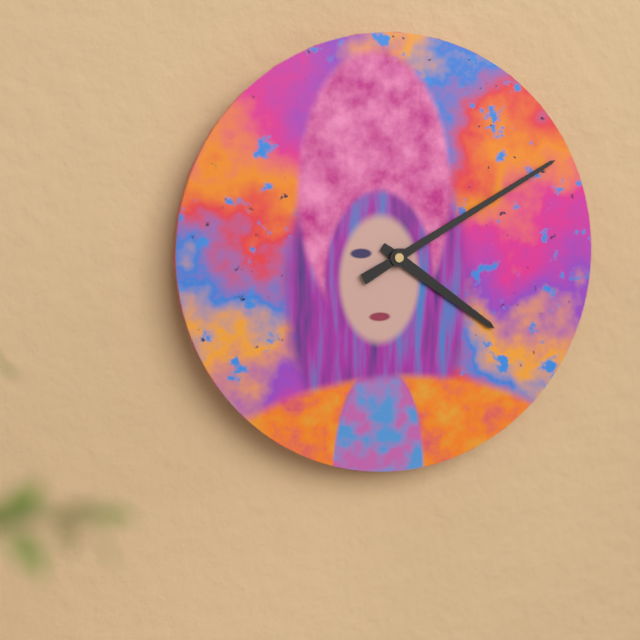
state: 4:10
